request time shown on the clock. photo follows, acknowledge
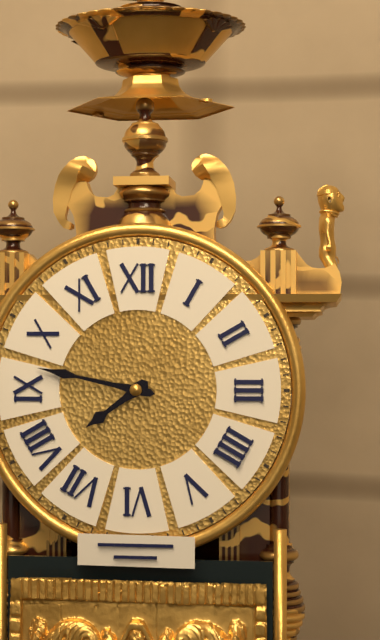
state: 7:47
